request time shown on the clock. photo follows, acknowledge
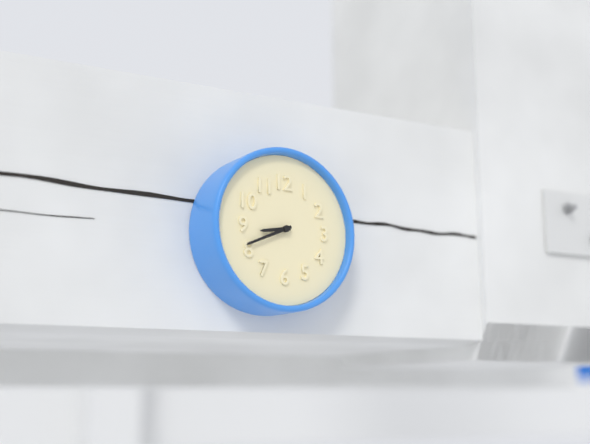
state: 8:41
